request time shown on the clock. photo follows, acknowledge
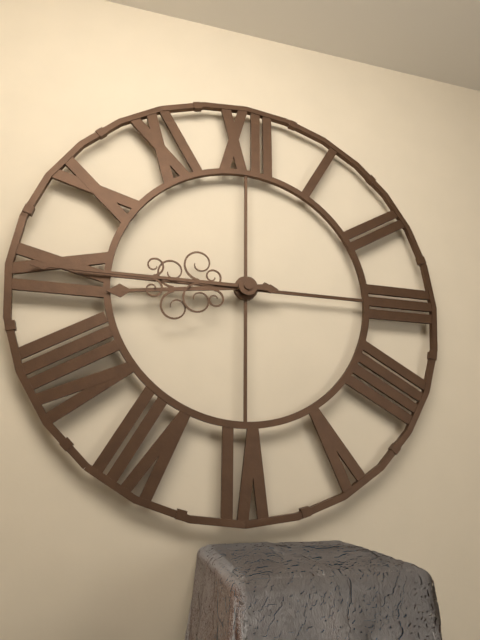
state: 8:45
